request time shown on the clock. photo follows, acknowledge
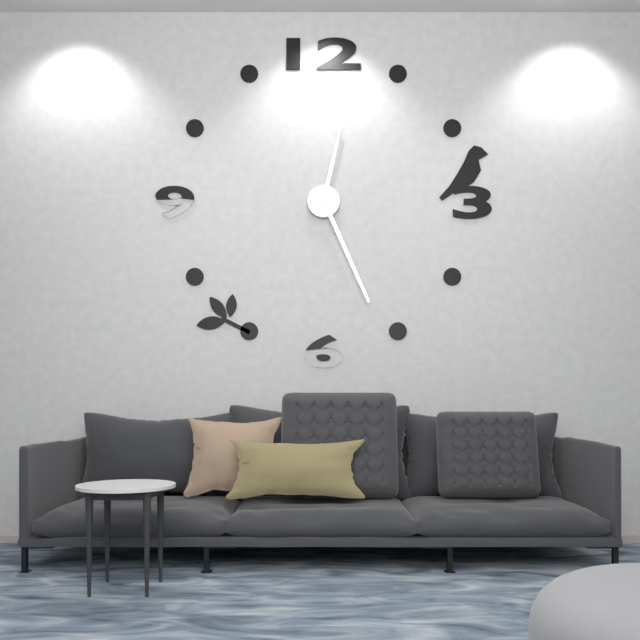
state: 12:26
